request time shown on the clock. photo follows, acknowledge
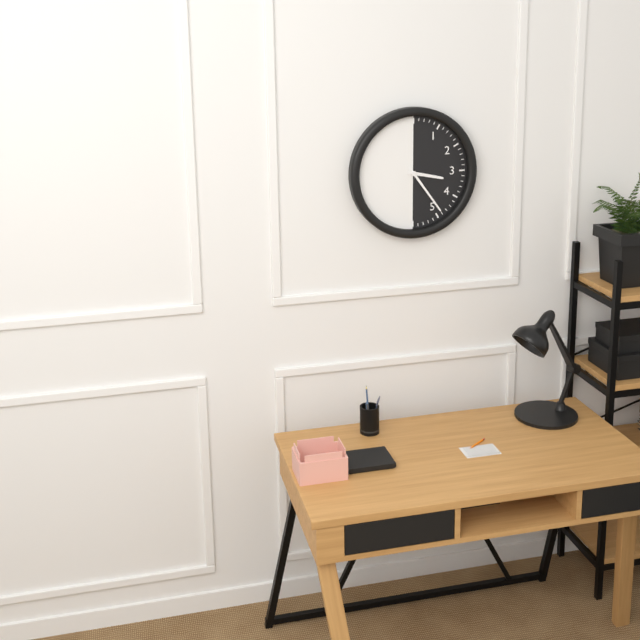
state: 3:24
